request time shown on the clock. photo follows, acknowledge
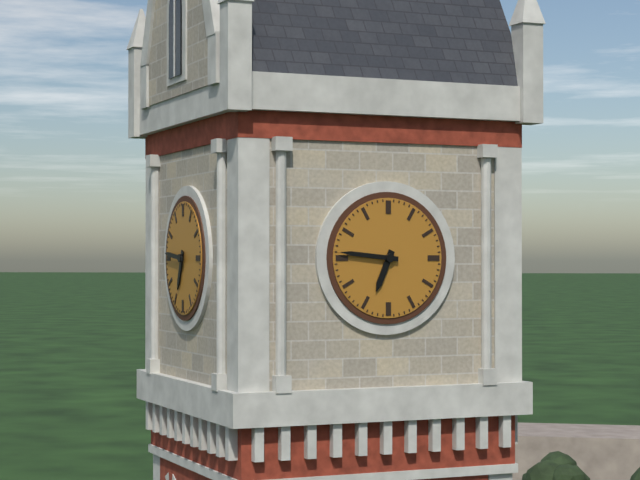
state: 6:46
